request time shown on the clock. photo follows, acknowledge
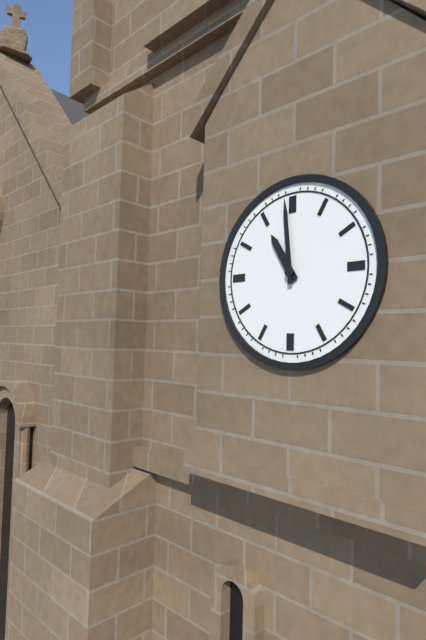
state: 10:59
